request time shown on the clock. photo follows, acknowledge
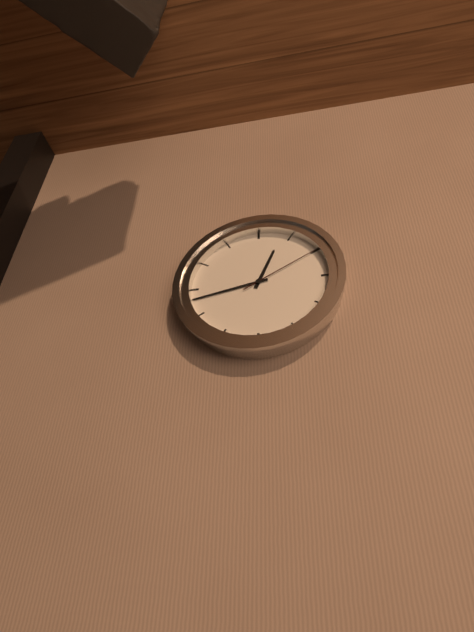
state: 12:43:10
